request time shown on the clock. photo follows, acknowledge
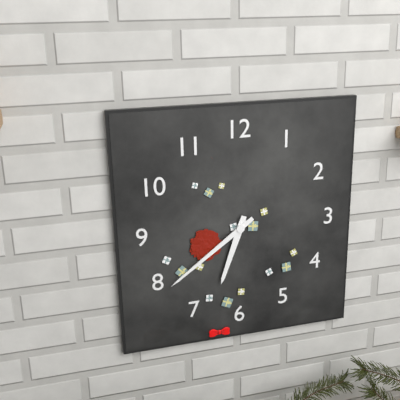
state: 6:39
